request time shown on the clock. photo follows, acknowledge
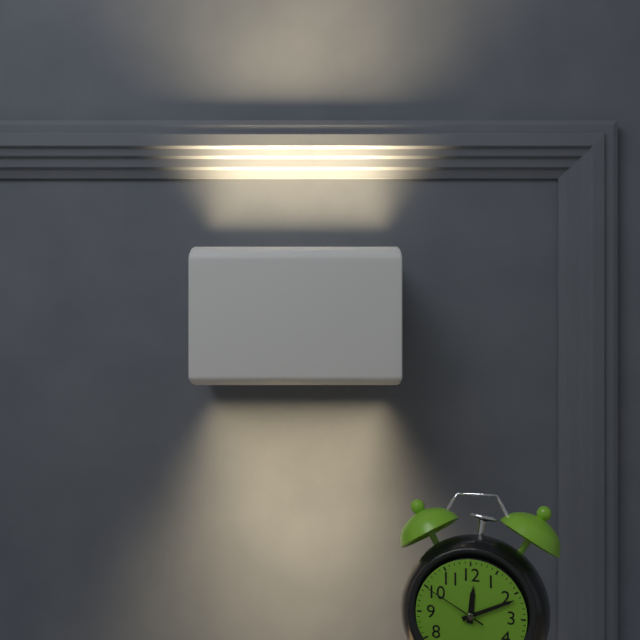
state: 12:11:50
